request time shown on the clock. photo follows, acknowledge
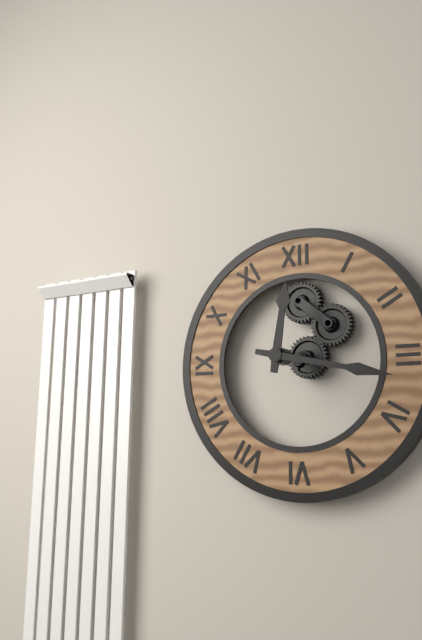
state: 12:17
